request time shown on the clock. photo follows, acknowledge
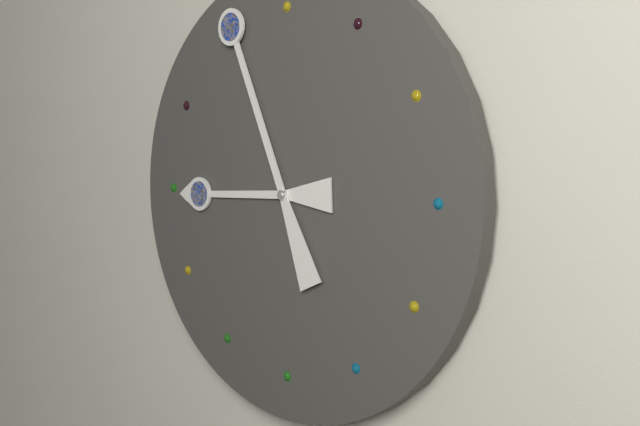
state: 8:56
